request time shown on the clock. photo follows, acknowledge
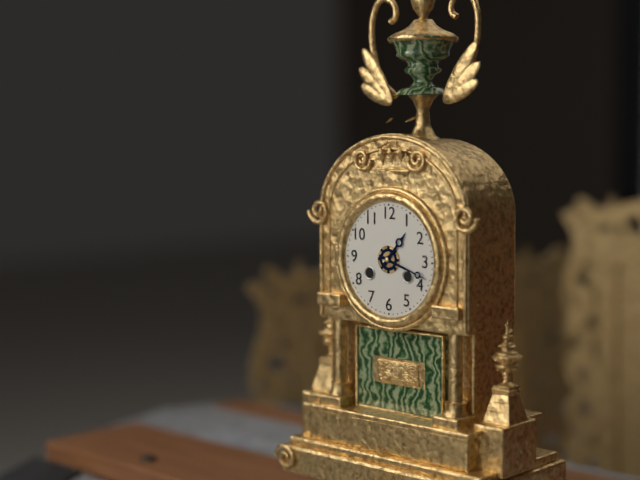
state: 1:18
